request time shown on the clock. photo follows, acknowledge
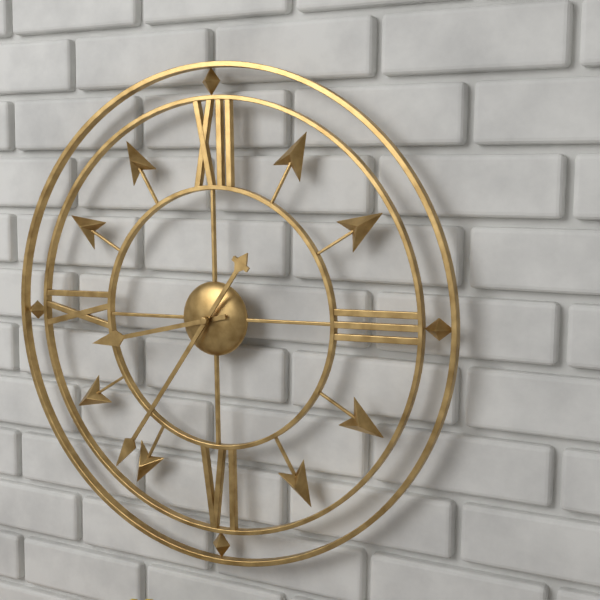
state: 8:36
